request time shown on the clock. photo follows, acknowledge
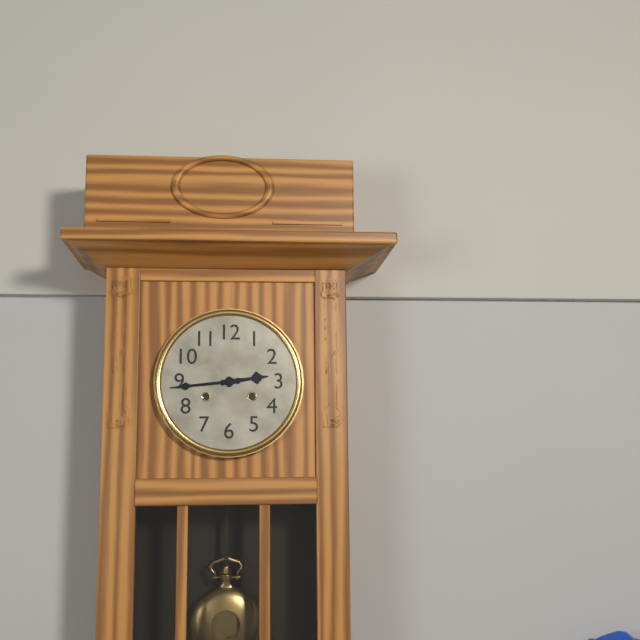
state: 2:44
